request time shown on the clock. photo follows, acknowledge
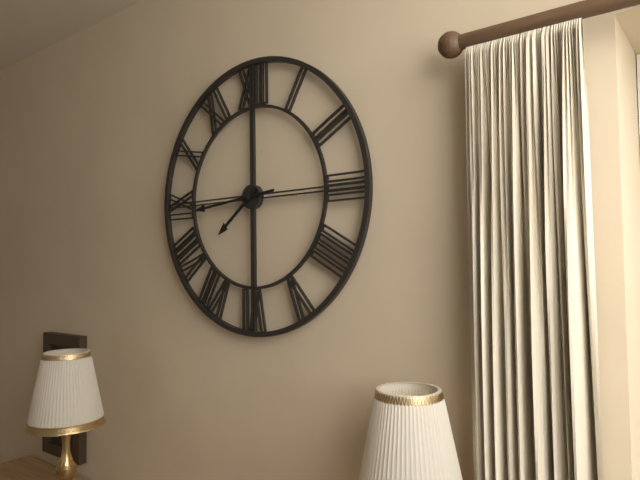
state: 7:44
